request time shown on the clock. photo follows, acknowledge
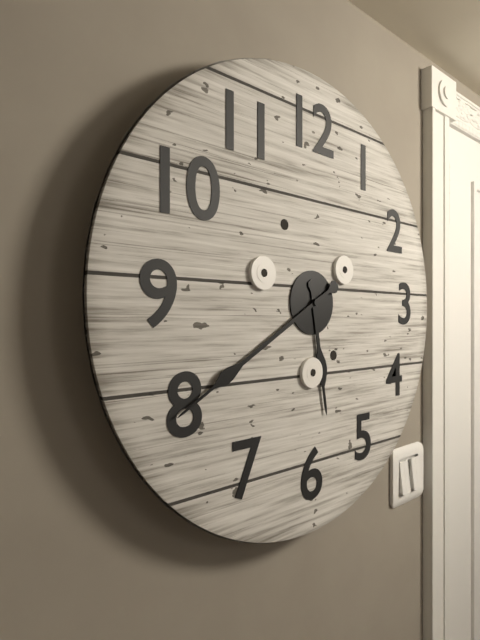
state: 5:40
